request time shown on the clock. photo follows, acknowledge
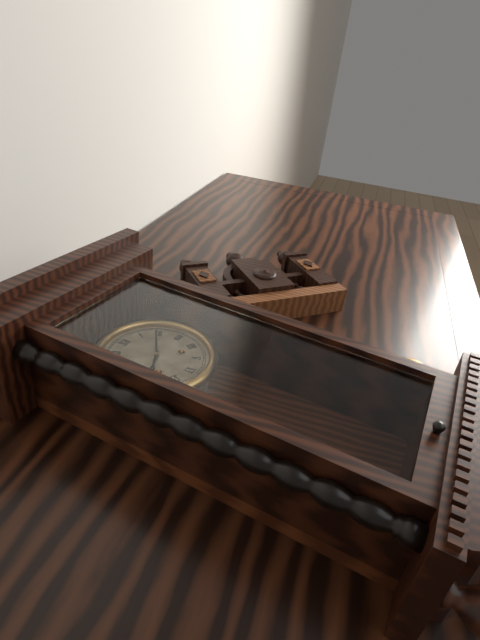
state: 8:09
